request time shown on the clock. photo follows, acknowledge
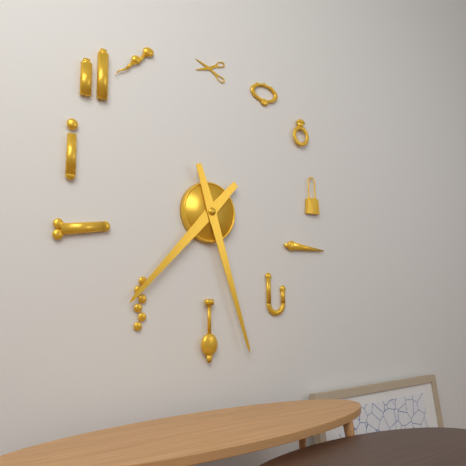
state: 7:27
